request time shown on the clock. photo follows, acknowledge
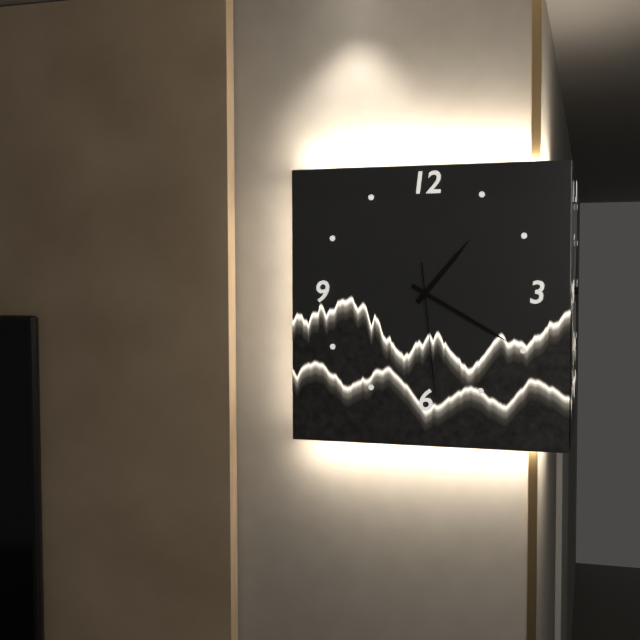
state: 1:20:29
